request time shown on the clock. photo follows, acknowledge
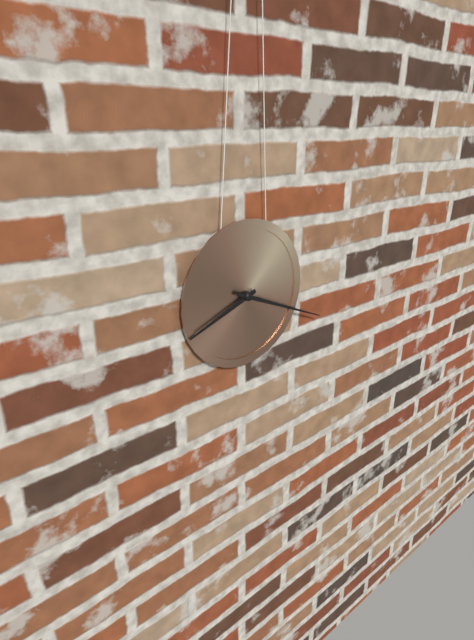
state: 8:19
